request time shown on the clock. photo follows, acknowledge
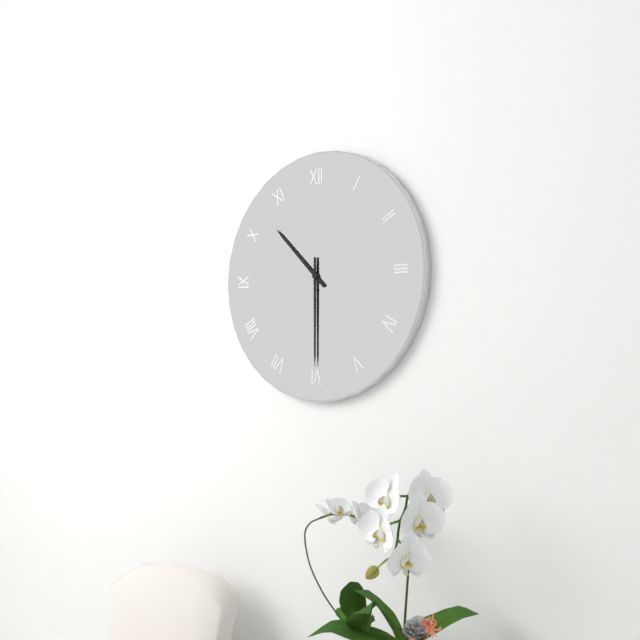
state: 10:30
